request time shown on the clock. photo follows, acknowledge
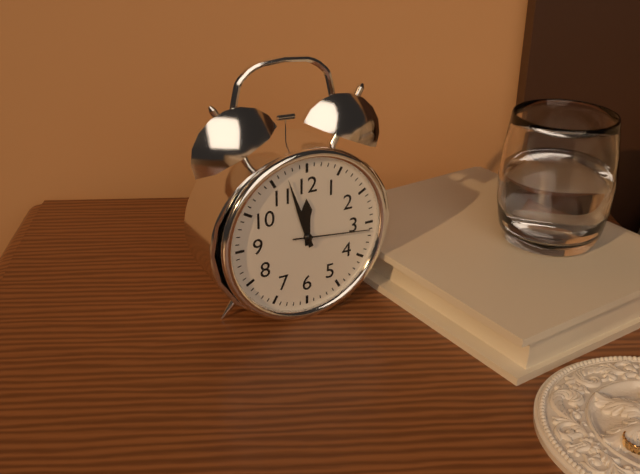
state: 11:57:16
